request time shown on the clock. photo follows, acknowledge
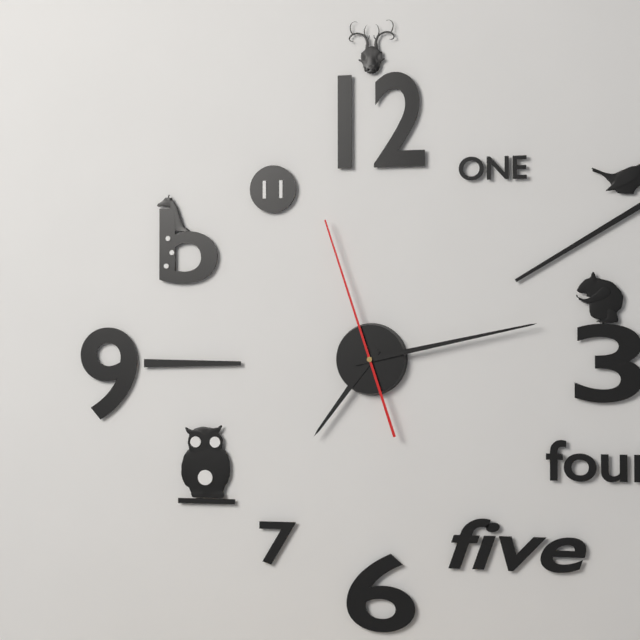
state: 7:13:57
